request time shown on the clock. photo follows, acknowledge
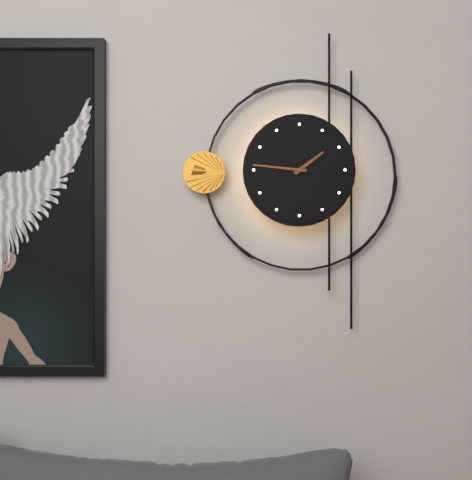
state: 1:46
